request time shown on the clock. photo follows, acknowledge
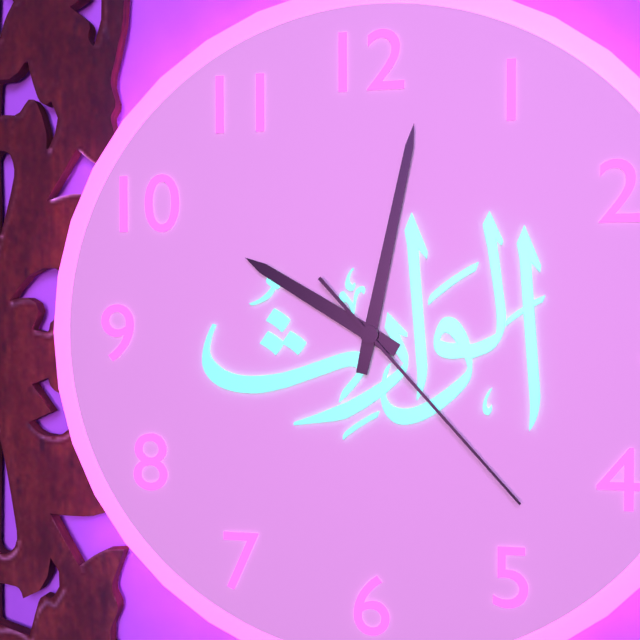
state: 10:02:23
